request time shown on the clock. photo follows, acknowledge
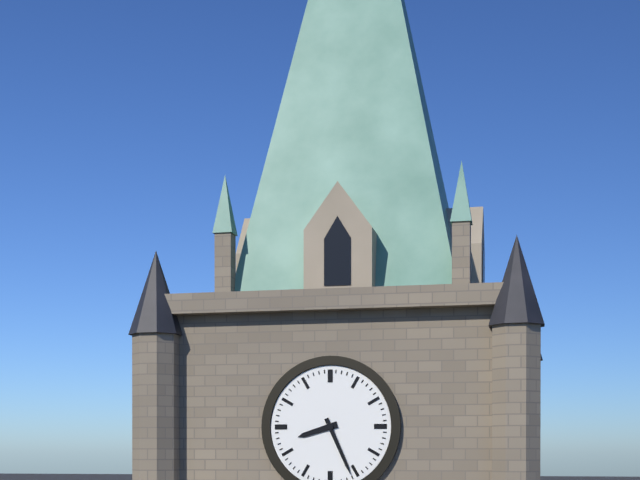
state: 8:26
